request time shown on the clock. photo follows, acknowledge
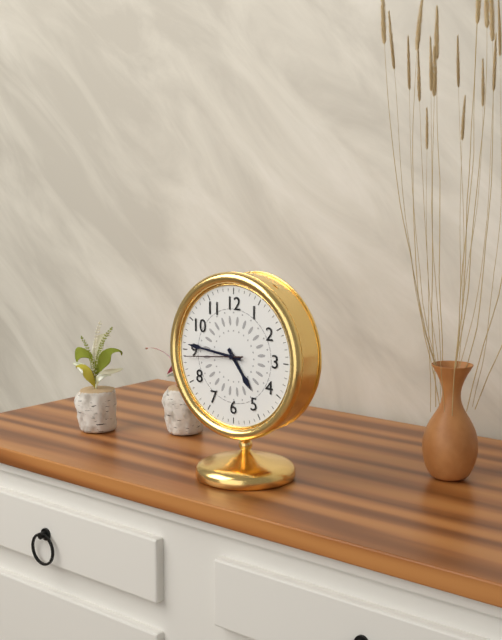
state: 4:46:44
